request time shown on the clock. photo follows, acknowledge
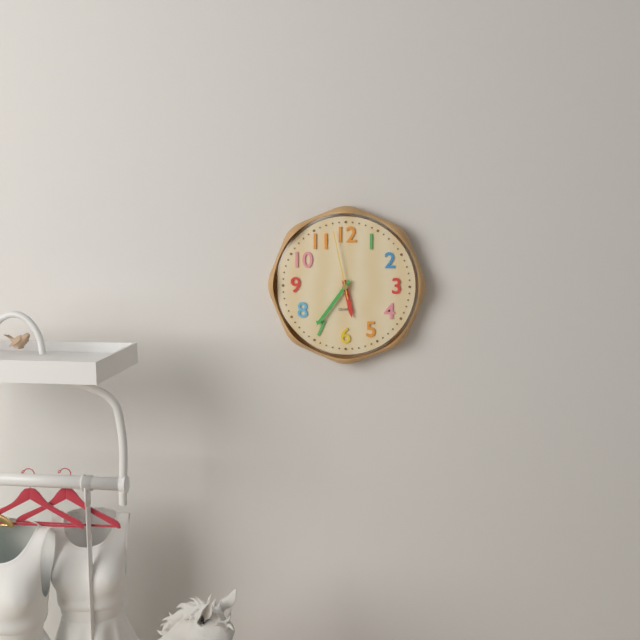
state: 5:36:58
